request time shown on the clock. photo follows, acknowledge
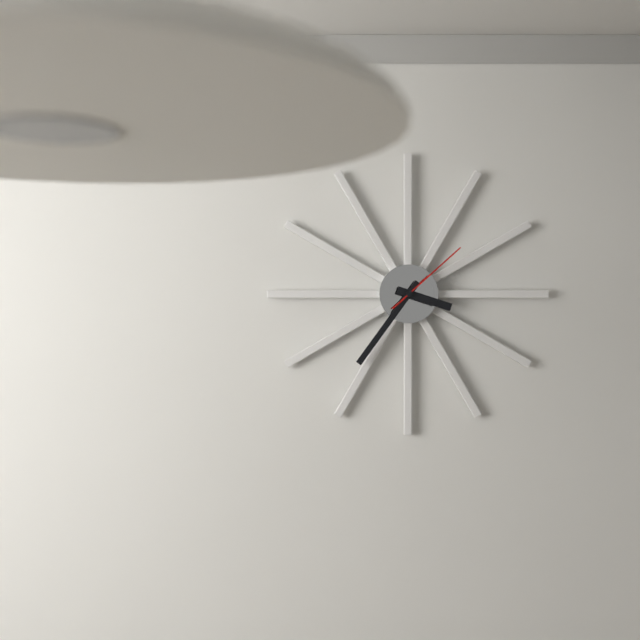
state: 3:36:08
